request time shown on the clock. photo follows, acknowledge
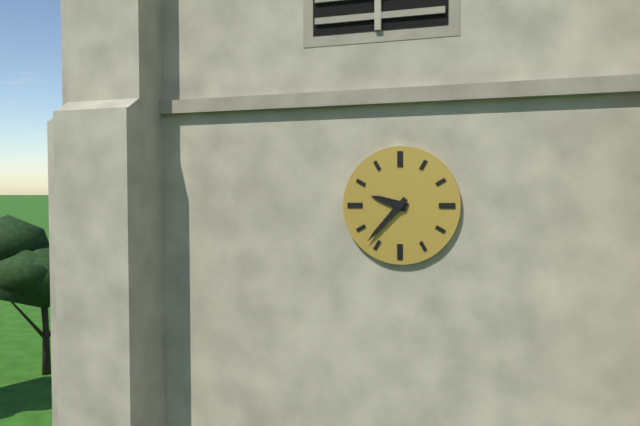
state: 9:37
